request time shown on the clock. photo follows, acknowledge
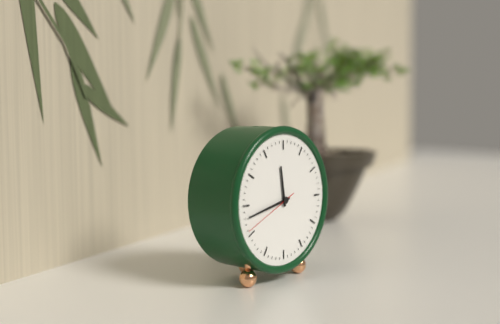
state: 11:43:41
